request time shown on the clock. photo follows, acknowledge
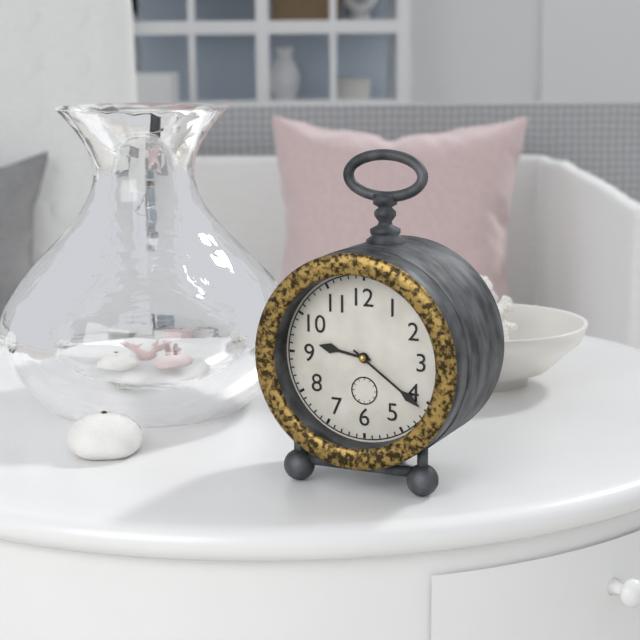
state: 9:21
